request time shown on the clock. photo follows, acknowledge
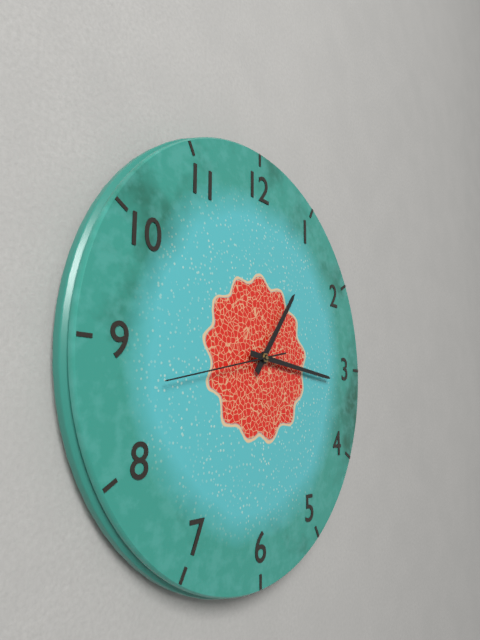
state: 1:16:43
